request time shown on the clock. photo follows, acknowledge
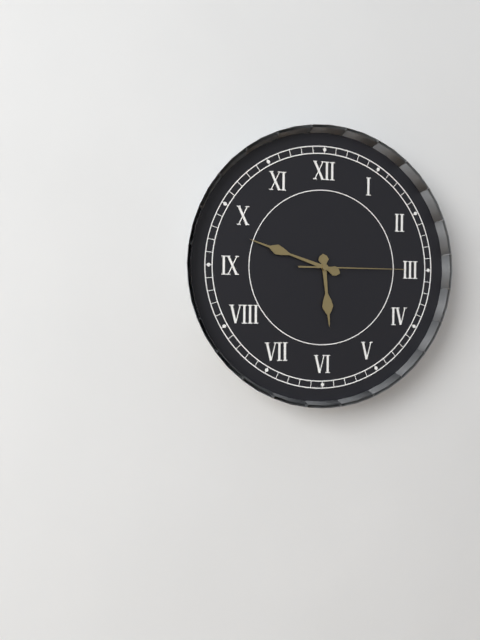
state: 5:48:15
